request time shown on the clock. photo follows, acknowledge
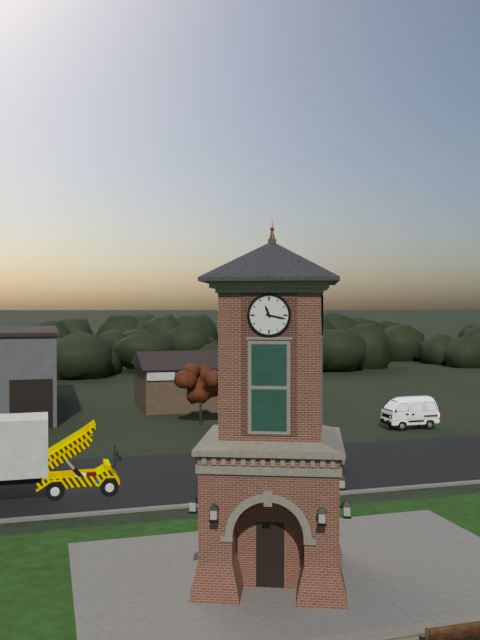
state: 11:17
